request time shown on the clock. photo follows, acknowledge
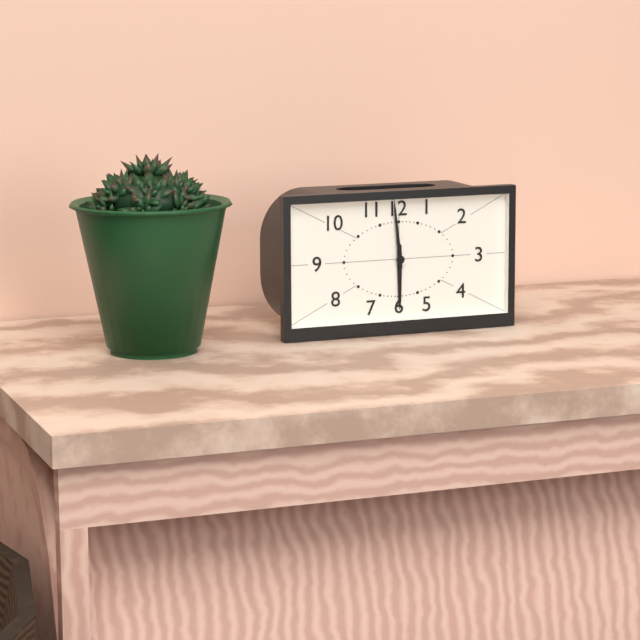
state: 5:59
